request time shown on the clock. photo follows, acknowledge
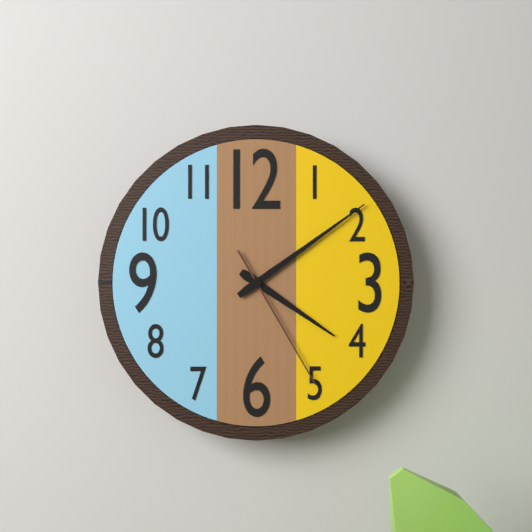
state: 4:09:25
